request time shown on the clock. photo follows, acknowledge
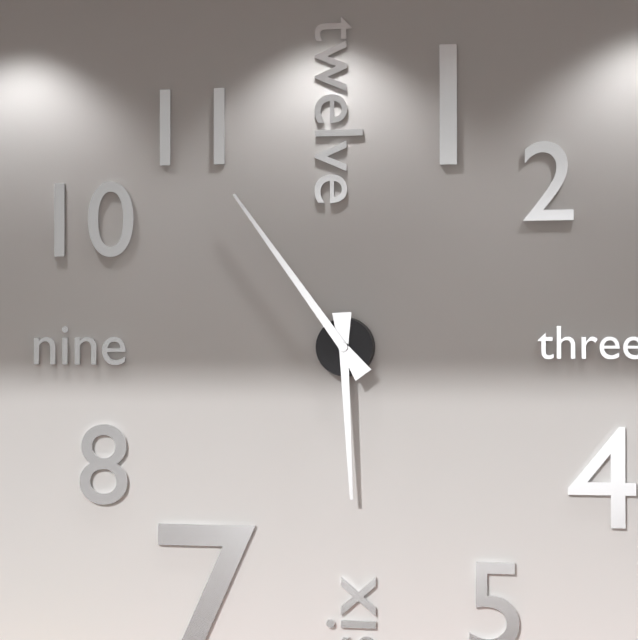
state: 5:54
